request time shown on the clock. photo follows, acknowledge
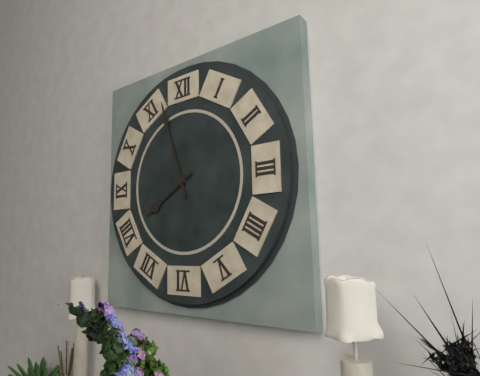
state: 7:57
